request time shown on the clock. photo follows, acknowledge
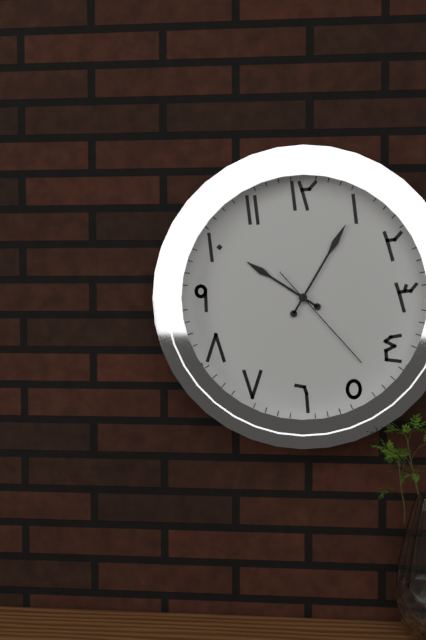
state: 10:05:23
